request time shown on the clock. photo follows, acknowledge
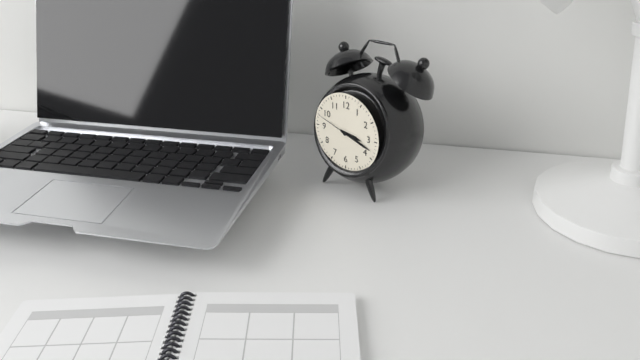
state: 3:18
